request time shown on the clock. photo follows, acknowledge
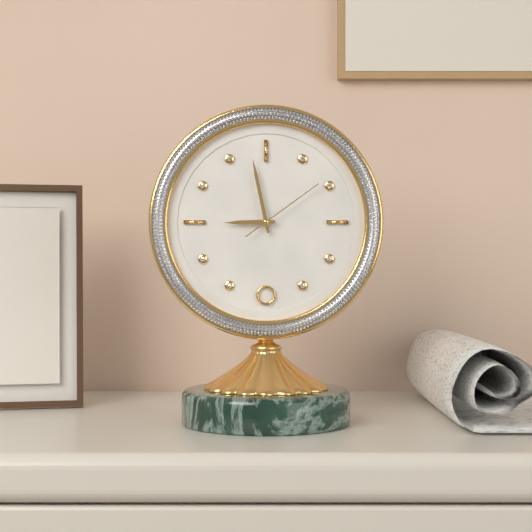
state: 8:58:09
